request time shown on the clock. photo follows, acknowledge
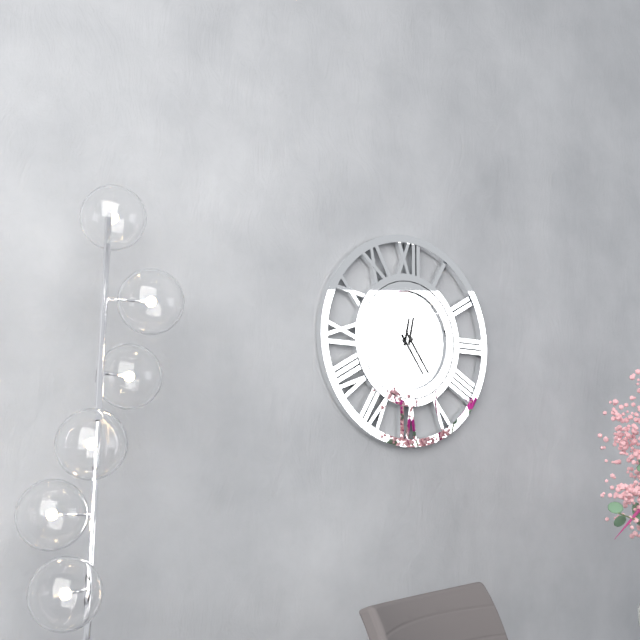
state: 12:24
